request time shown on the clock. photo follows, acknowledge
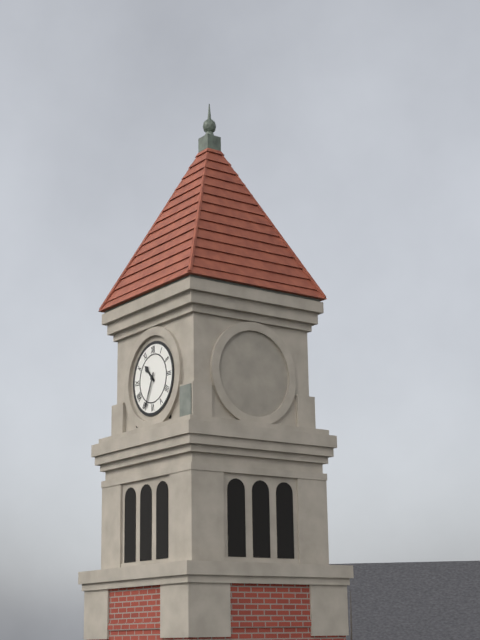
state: 10:34
